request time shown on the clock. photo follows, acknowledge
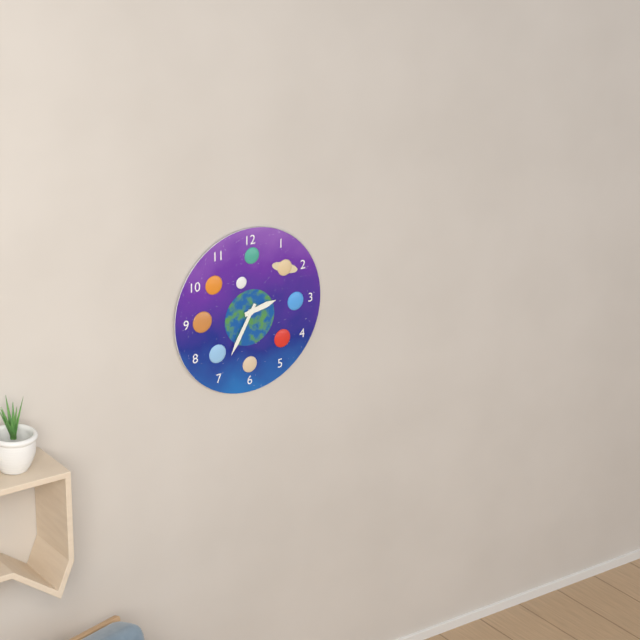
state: 2:35
